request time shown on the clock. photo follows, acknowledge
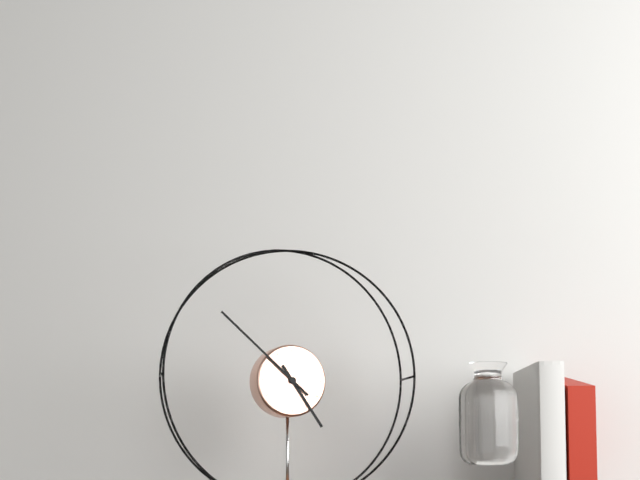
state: 4:52
